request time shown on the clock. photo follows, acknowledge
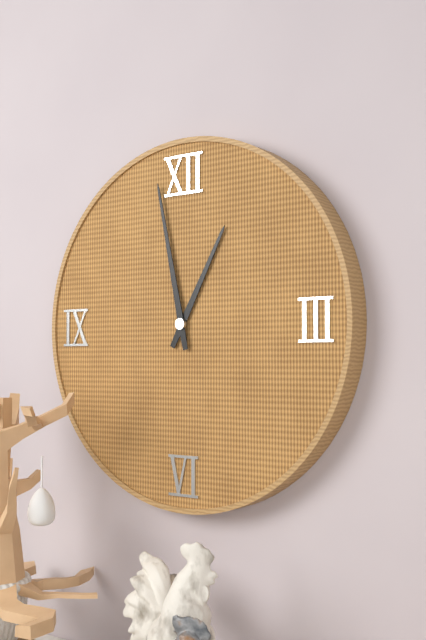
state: 12:58
